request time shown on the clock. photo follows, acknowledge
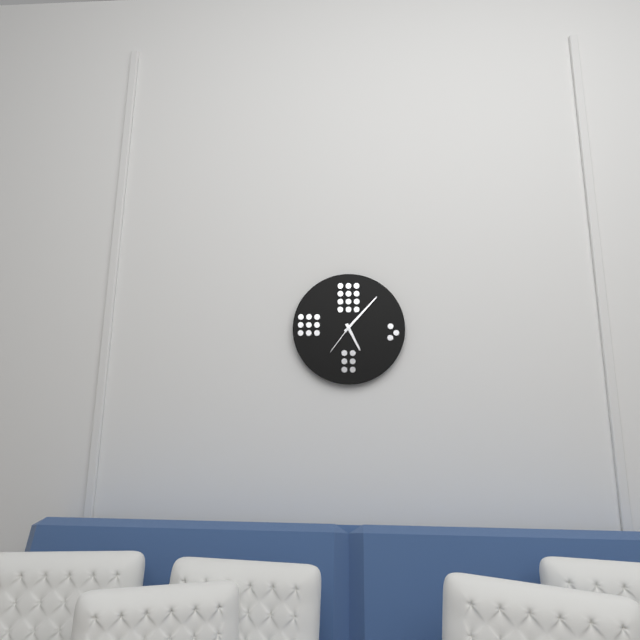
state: 5:07
